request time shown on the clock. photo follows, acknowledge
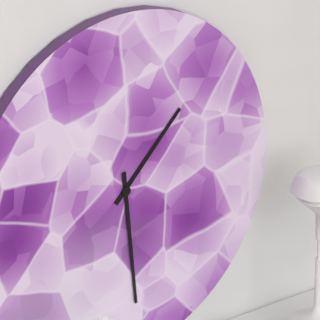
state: 1:29
